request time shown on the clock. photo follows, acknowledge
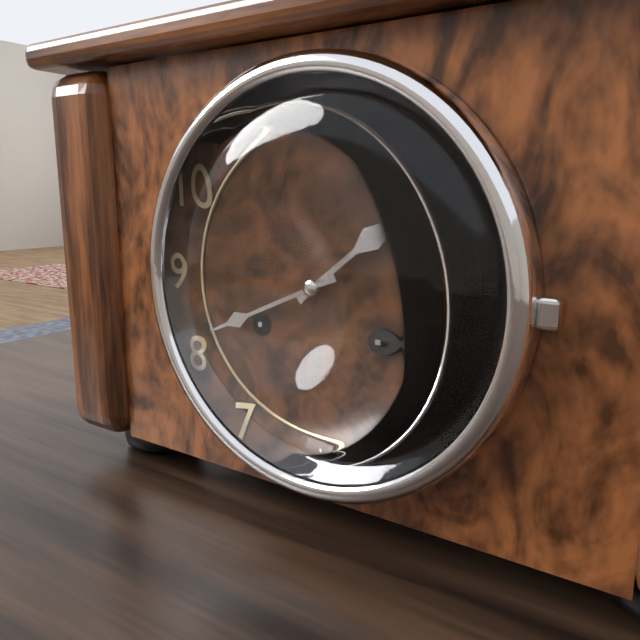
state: 1:41
